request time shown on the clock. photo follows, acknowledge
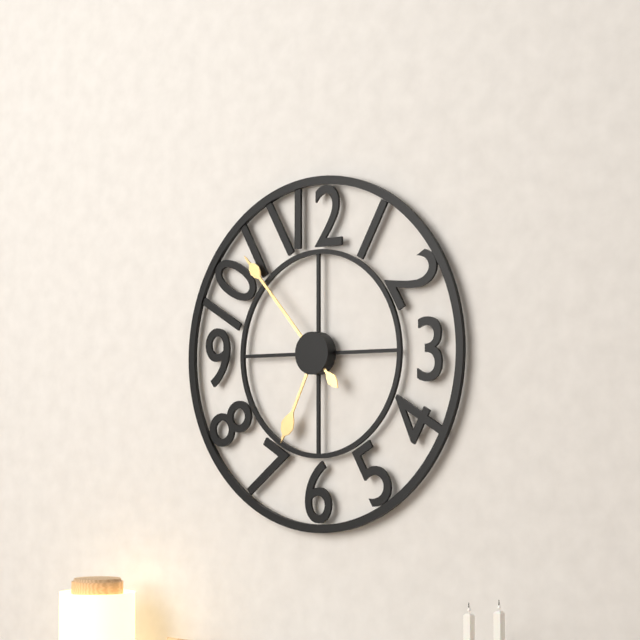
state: 6:53
